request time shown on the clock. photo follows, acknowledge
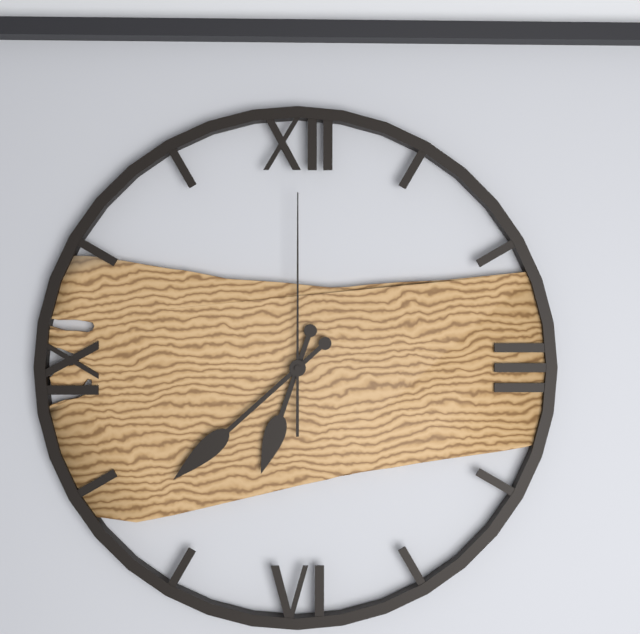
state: 6:38:00
